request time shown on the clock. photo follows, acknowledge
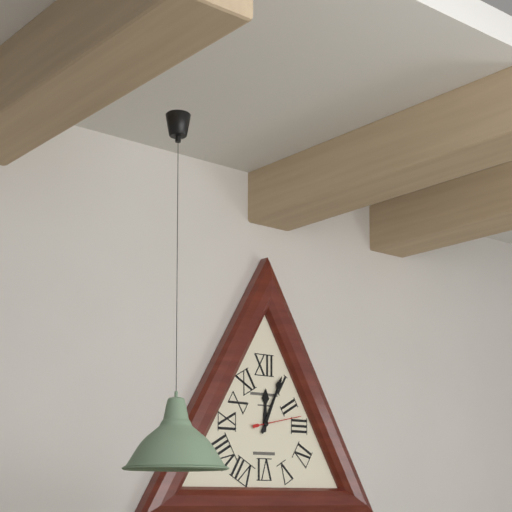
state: 12:04
